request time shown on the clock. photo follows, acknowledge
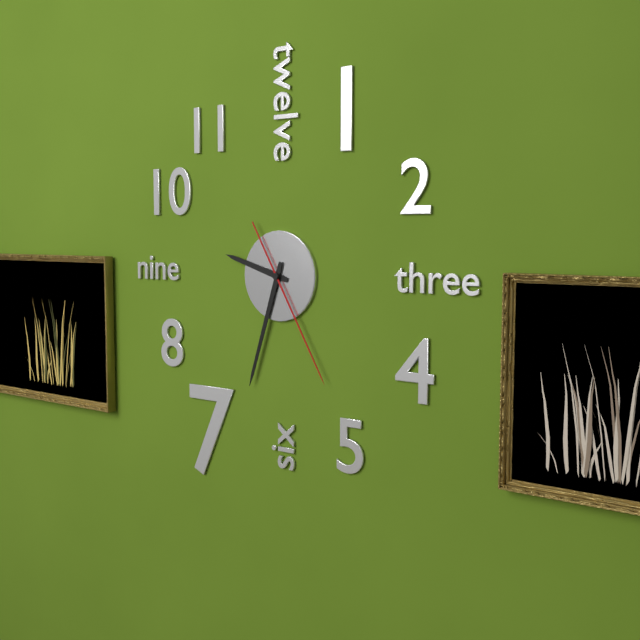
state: 9:33:25
